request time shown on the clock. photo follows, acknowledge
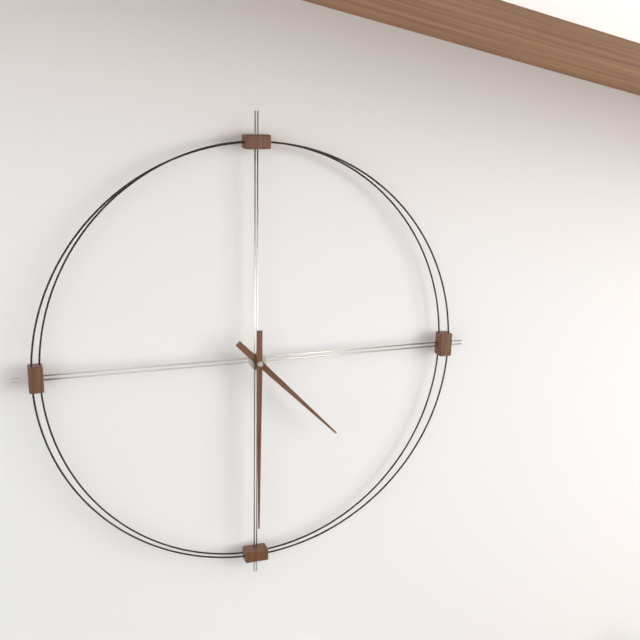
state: 4:30
